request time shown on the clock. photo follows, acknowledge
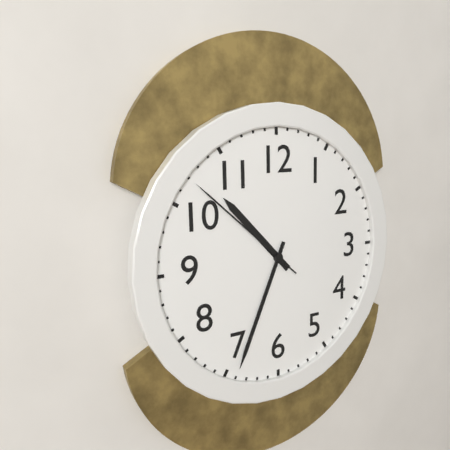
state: 10:34:52
